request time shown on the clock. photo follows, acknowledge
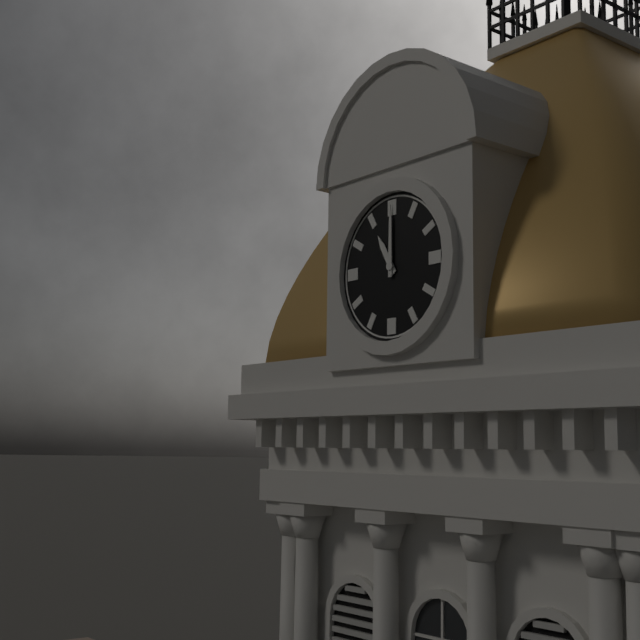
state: 11:00
